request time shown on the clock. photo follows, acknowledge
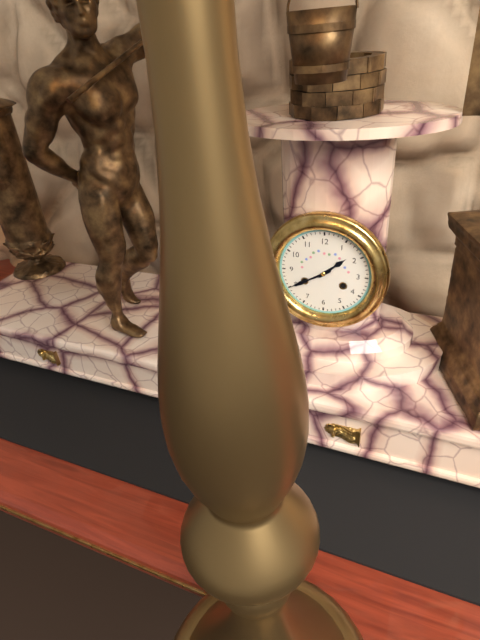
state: 1:40
